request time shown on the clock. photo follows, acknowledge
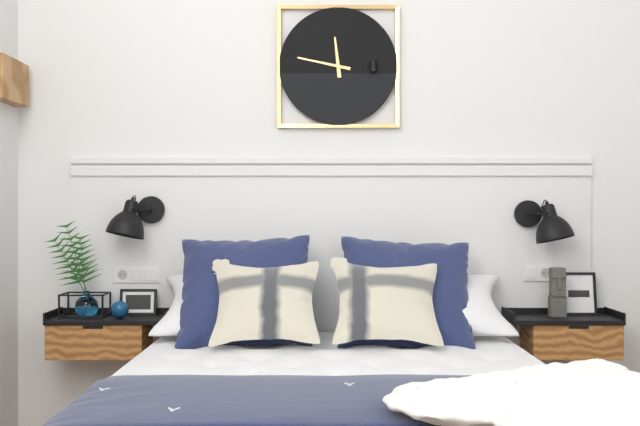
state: 11:47
